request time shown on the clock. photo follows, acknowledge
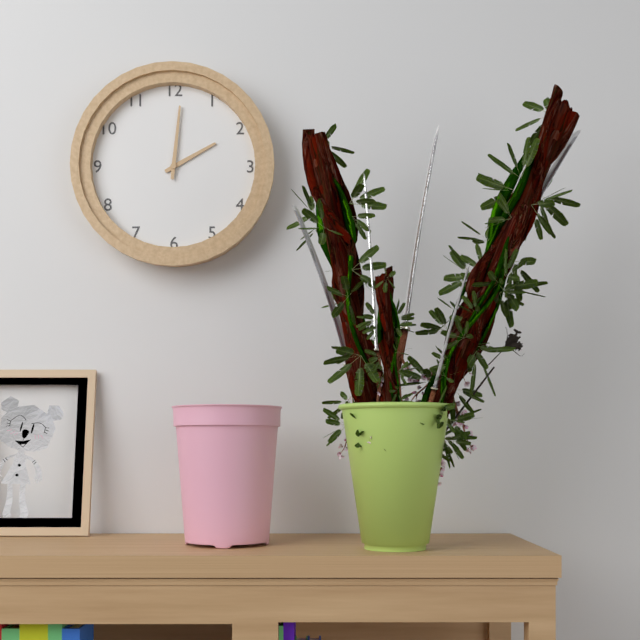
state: 2:01
